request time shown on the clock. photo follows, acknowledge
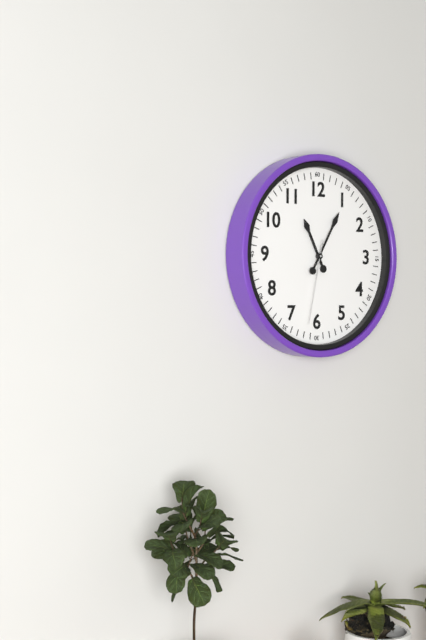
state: 11:05:32
